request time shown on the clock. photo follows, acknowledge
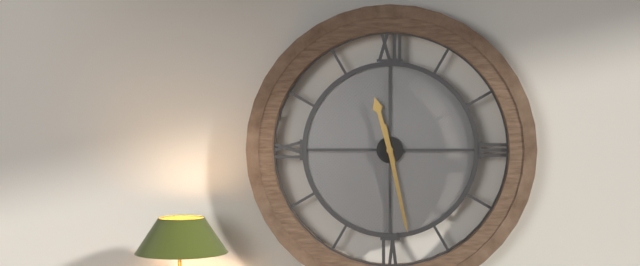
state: 11:28
